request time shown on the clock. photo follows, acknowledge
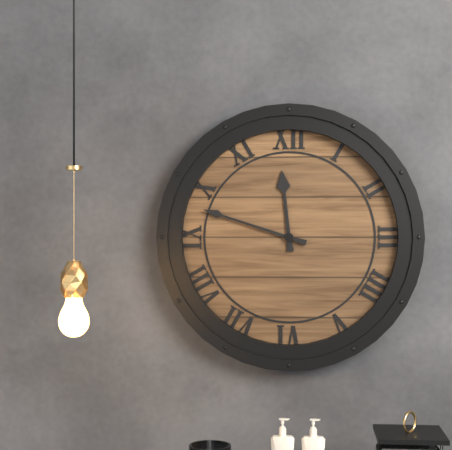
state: 11:48
